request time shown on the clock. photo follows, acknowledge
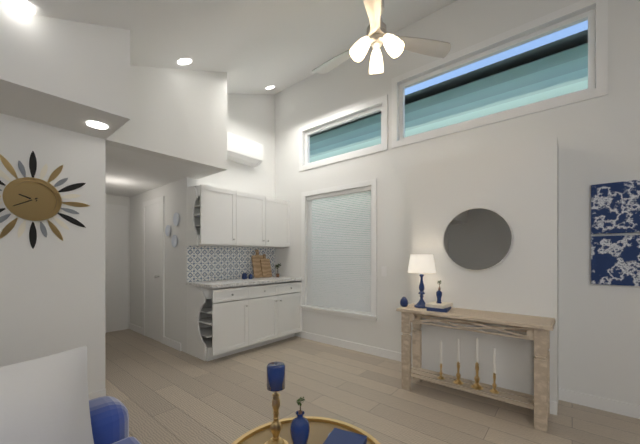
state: 9:40
